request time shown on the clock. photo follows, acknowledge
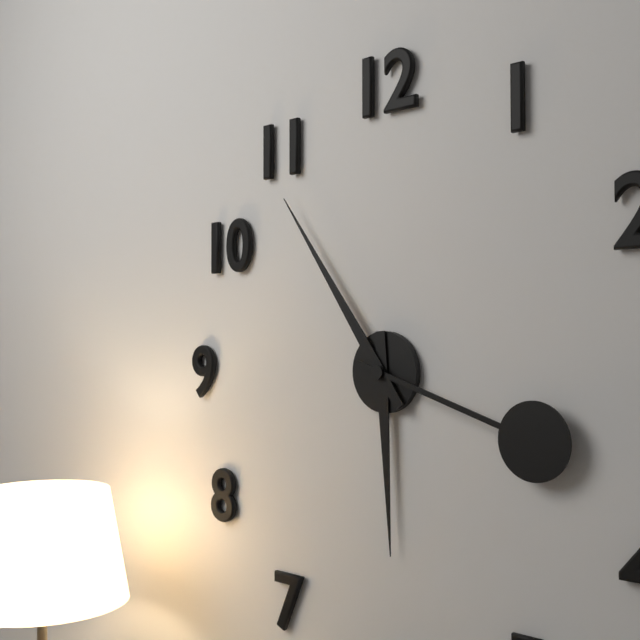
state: 5:54:18
